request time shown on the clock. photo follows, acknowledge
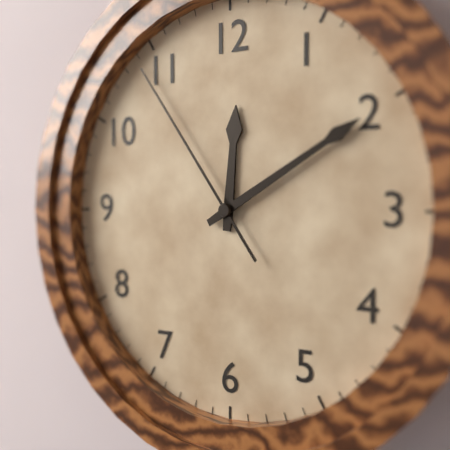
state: 12:10:54
